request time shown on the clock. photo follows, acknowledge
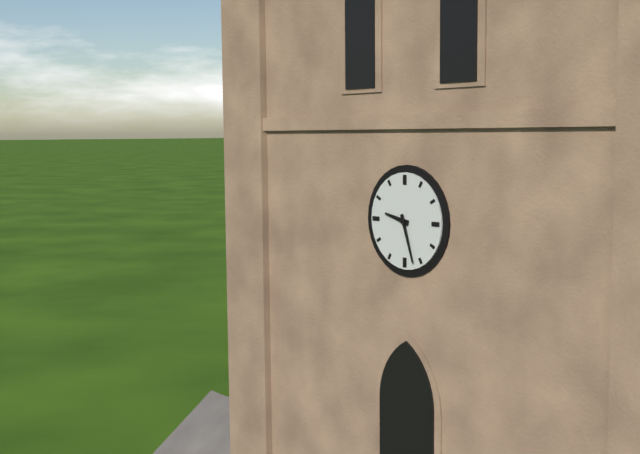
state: 9:27
